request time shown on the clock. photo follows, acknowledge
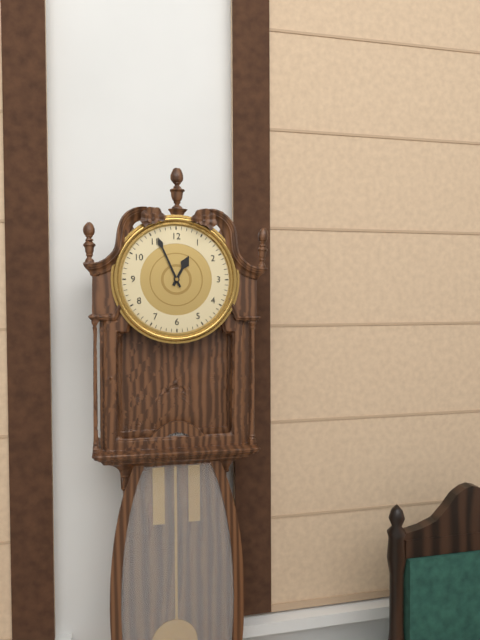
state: 12:56
